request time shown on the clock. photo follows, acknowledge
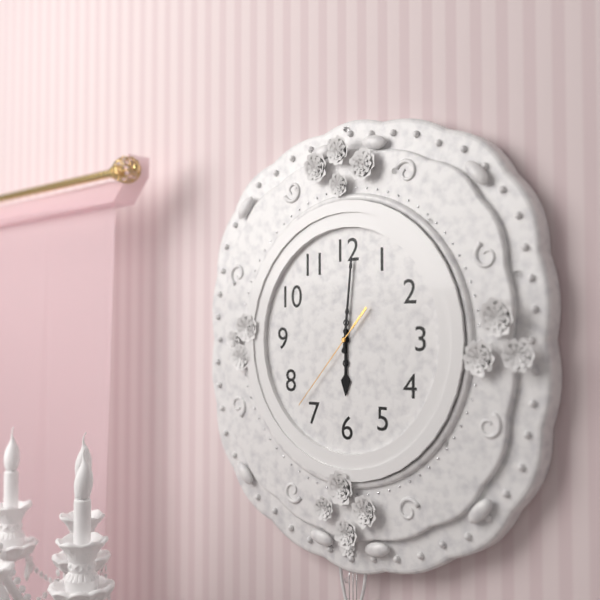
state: 6:01:37
